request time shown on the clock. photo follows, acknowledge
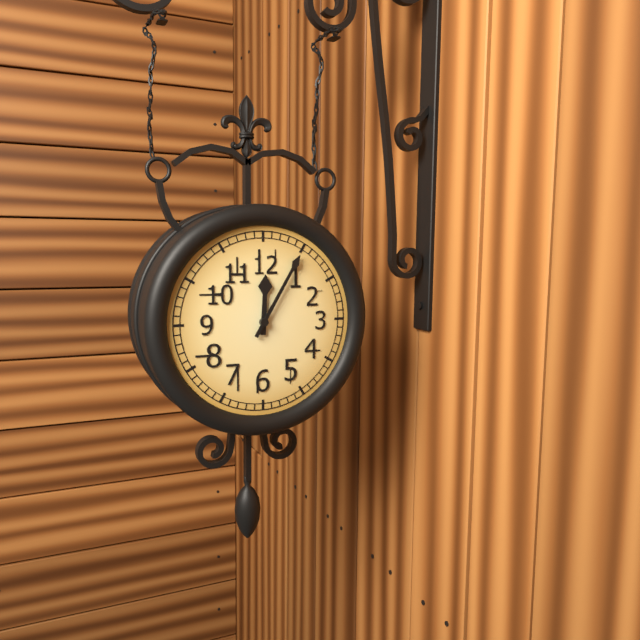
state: 12:05
